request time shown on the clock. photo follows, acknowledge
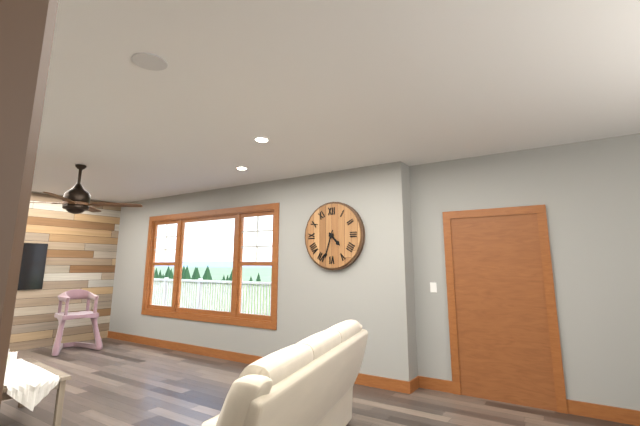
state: 4:33
